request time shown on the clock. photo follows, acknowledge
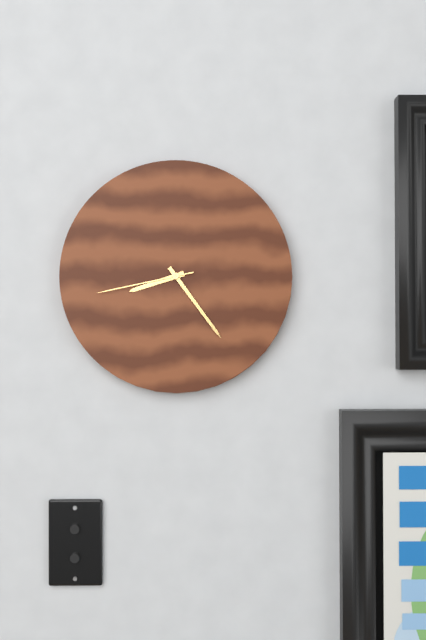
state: 8:24:43
